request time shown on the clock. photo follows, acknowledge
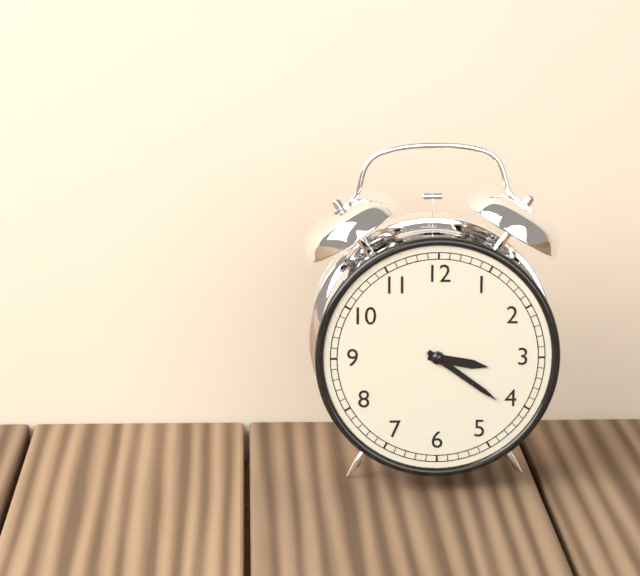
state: 3:21
